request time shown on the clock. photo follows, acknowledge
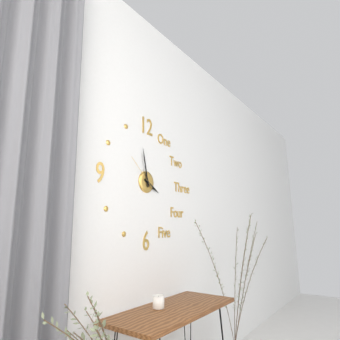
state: 3:58
